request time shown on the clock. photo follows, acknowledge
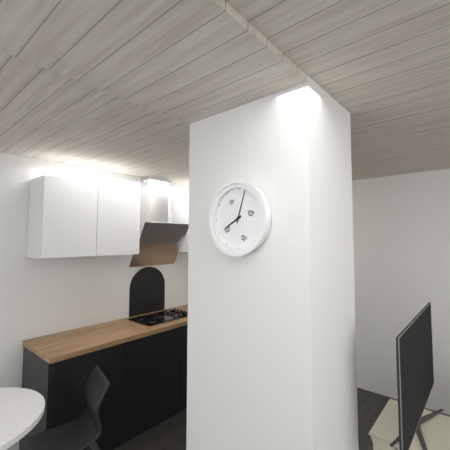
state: 8:03
